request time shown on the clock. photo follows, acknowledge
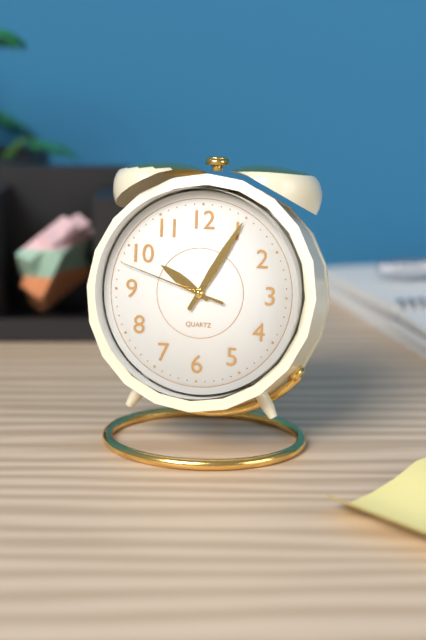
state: 10:05:48
